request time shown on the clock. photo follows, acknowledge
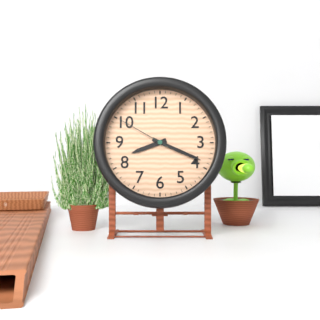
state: 8:19:50
